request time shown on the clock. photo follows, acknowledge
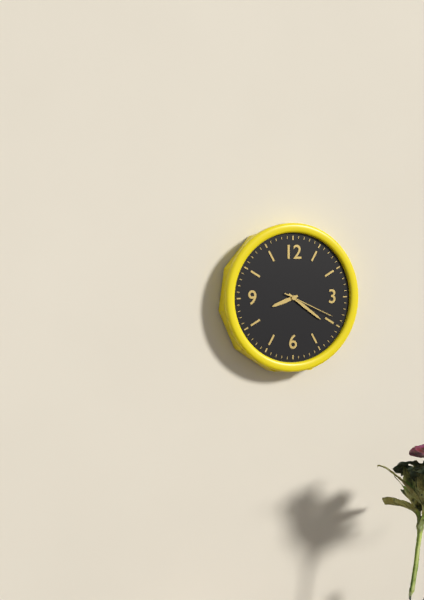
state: 8:21:19
